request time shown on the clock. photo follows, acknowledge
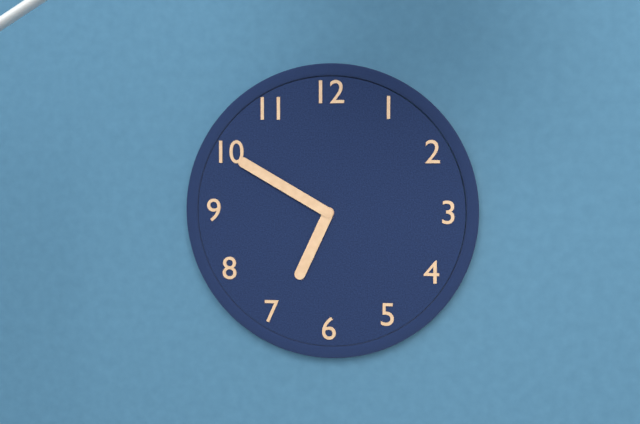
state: 6:50
